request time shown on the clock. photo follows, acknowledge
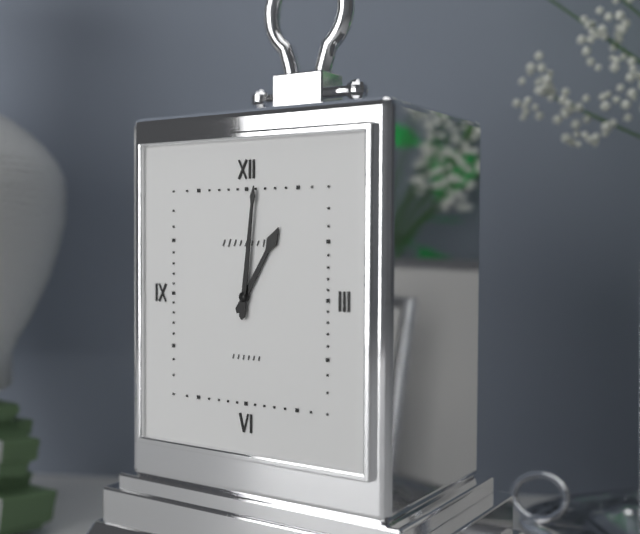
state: 1:01
